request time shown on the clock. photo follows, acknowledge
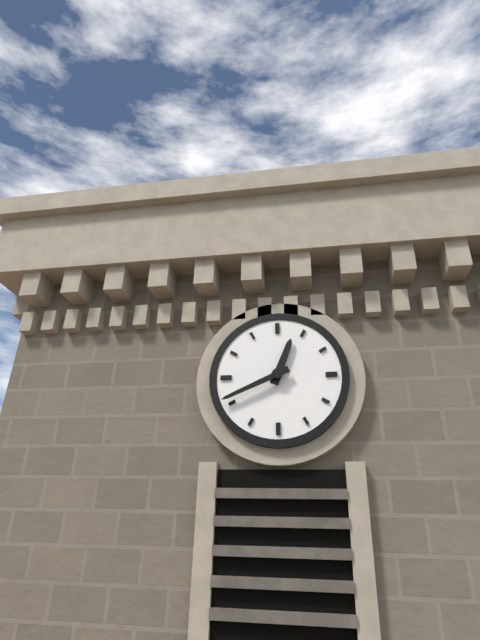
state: 12:41
